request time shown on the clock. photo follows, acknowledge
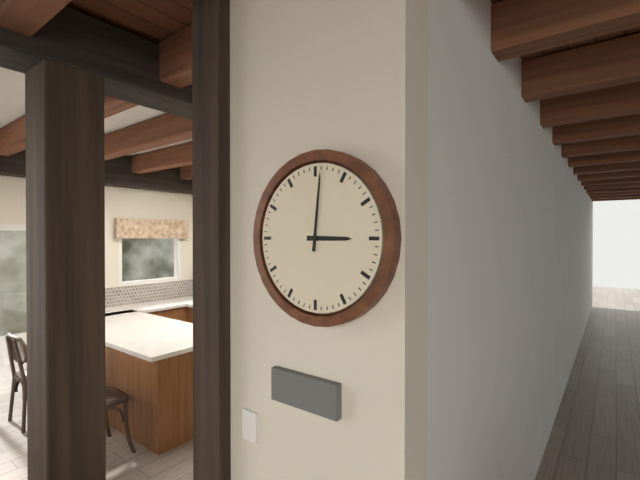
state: 3:01
